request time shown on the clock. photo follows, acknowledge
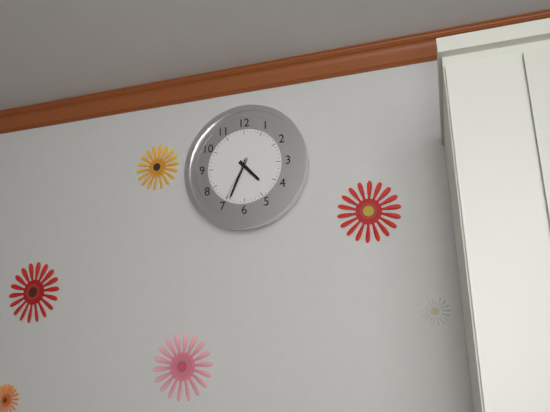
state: 4:34
